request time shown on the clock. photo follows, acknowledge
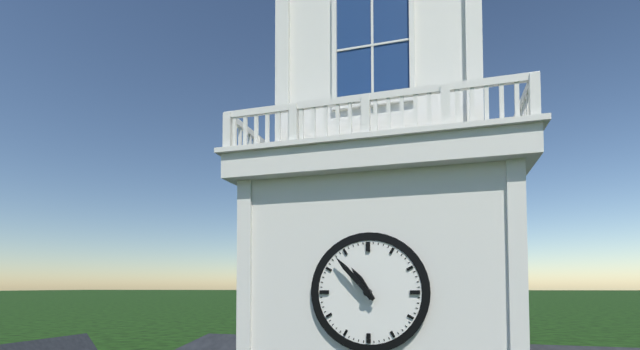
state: 10:53
